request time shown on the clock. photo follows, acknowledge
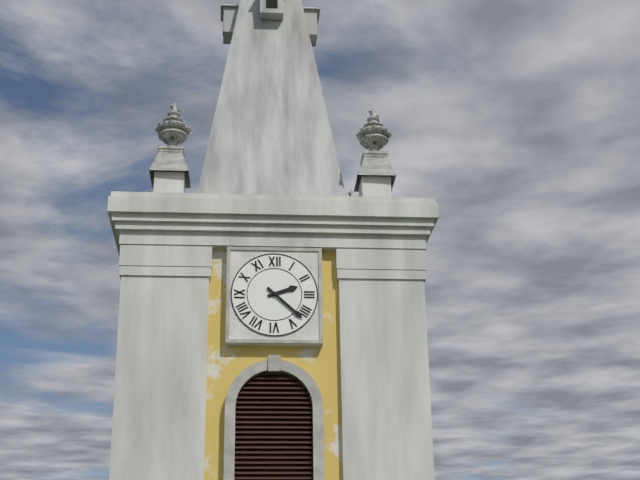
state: 2:22
